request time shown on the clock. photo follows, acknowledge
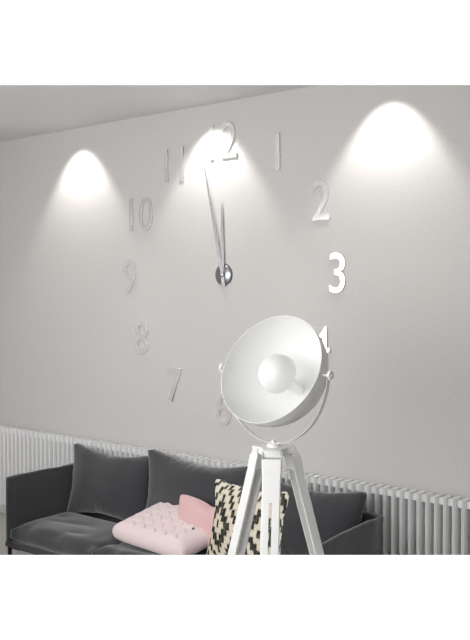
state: 11:58
